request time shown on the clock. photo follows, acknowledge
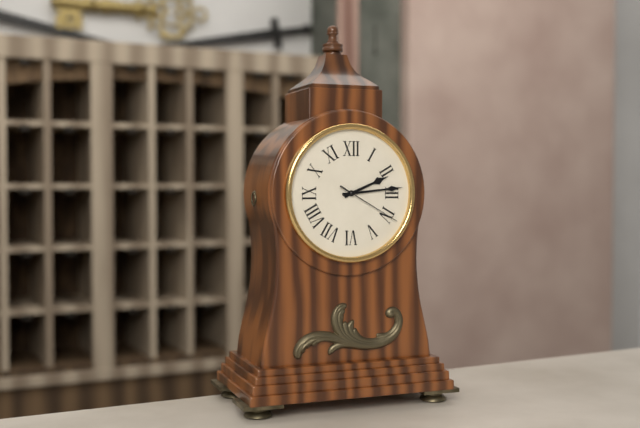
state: 2:14:20
